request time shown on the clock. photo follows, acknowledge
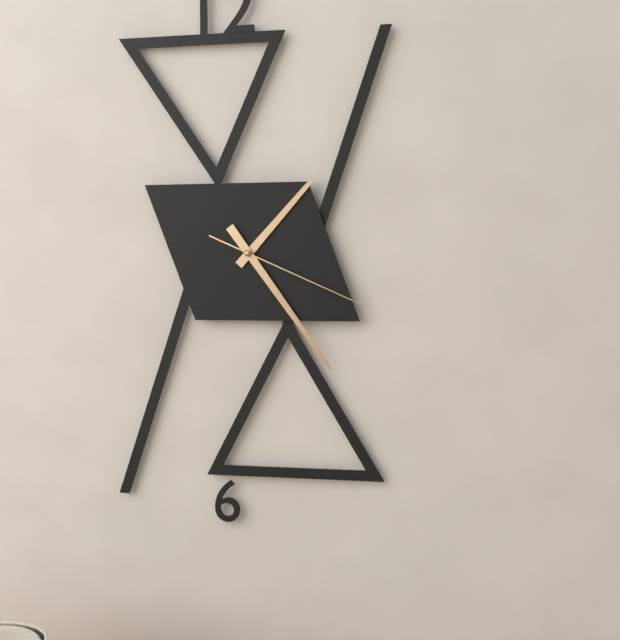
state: 1:24:19
